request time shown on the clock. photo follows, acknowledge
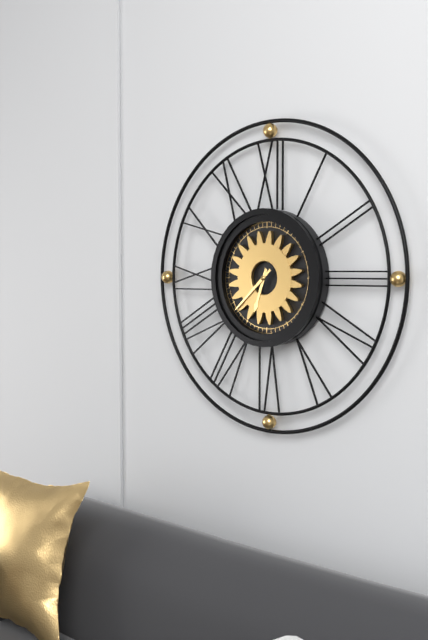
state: 6:38
